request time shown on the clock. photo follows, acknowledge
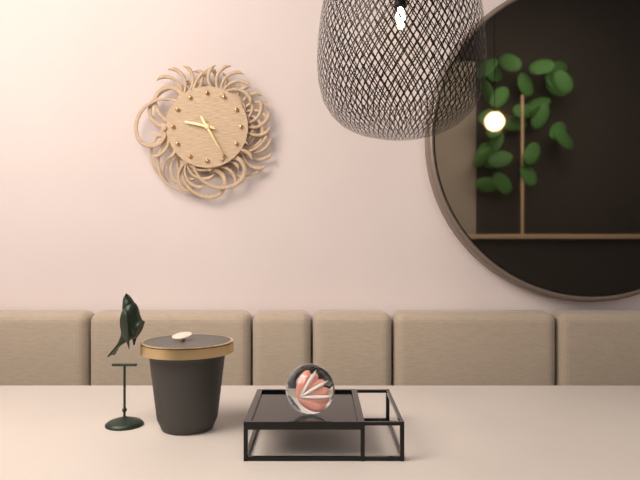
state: 9:25
